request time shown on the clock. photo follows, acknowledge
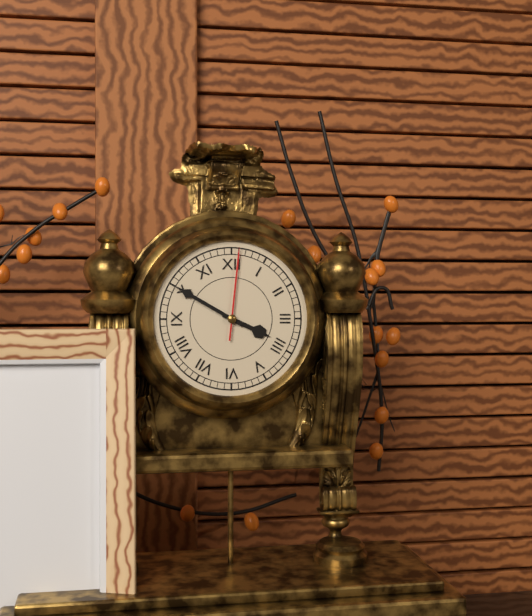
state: 3:50:01
